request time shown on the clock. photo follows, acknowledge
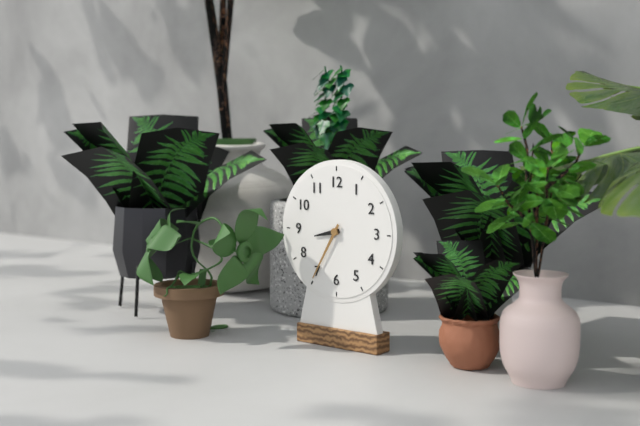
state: 8:35
